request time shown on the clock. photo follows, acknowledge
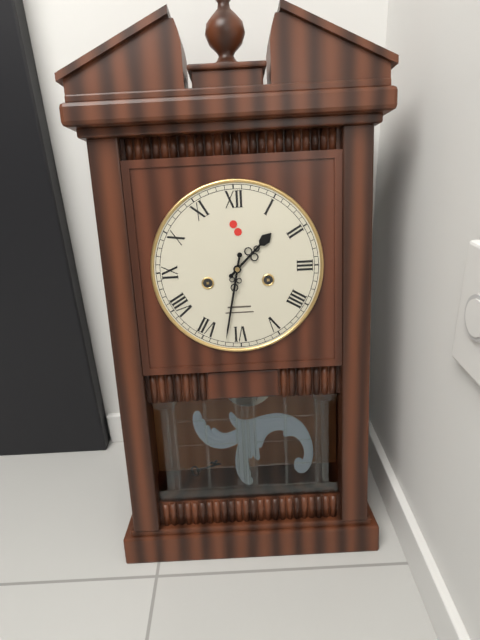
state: 1:32
